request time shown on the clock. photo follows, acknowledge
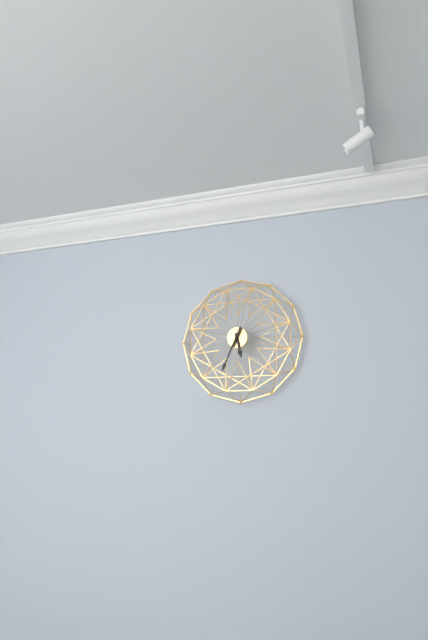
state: 5:34
